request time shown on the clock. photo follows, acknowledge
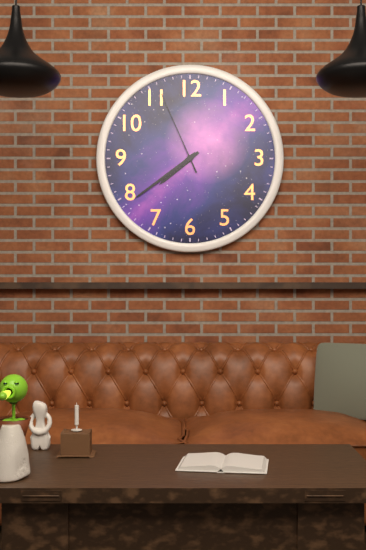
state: 7:39:56
